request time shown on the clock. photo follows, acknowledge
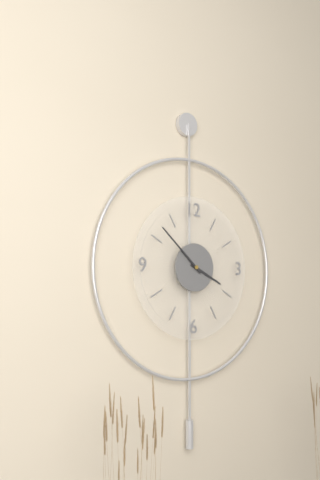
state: 3:52
